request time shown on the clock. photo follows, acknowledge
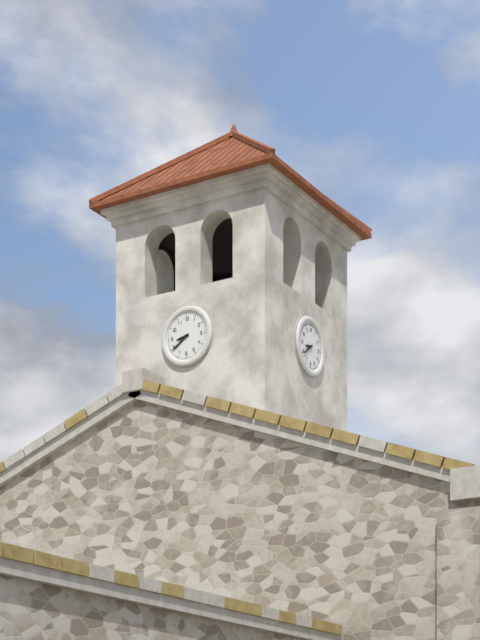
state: 8:39
